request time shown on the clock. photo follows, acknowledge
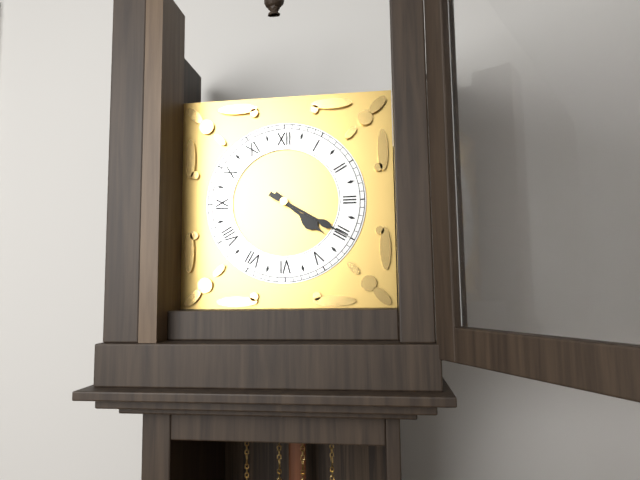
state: 4:20
